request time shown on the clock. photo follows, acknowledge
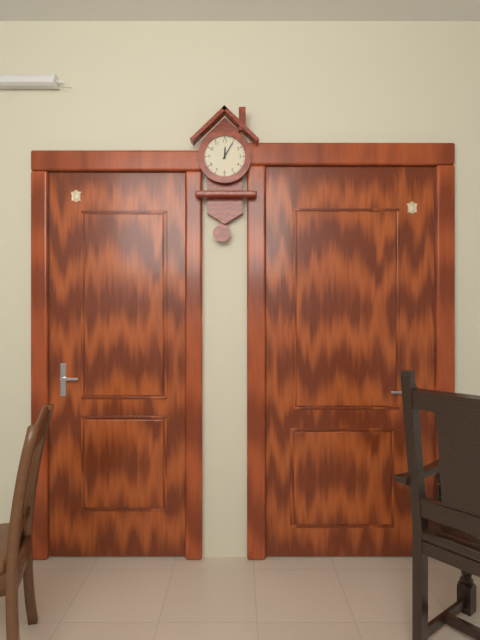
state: 12:05
